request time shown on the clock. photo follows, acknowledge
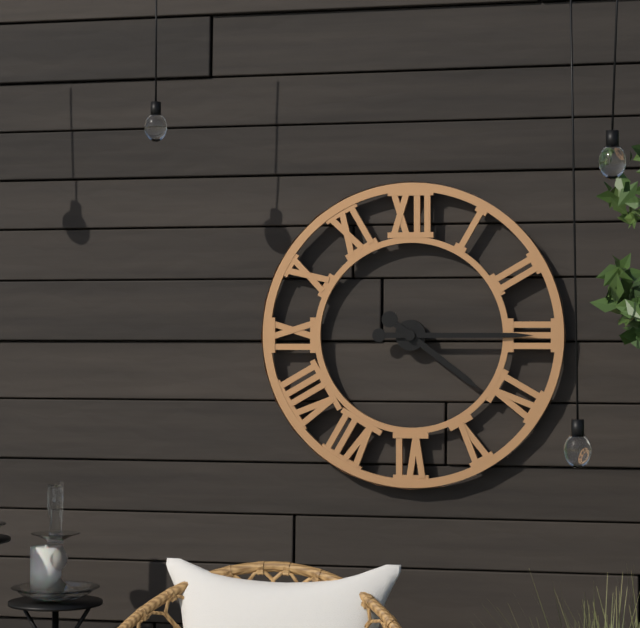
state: 4:15
